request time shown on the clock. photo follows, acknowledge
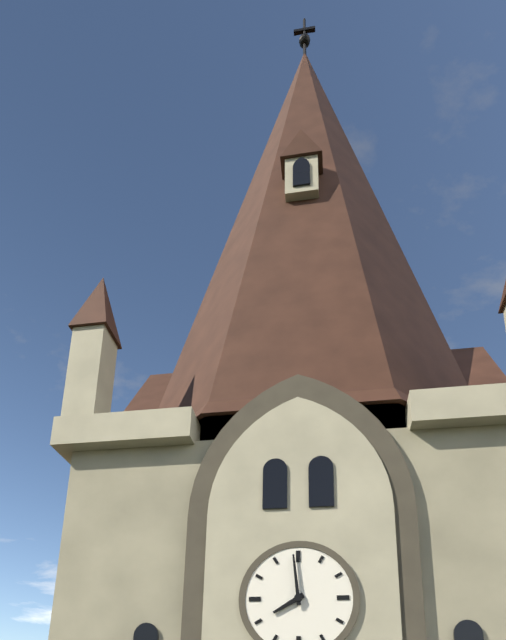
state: 7:59
